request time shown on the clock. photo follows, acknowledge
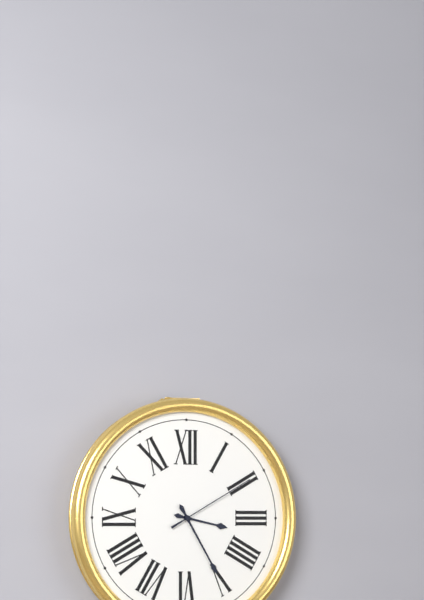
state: 3:25:10
